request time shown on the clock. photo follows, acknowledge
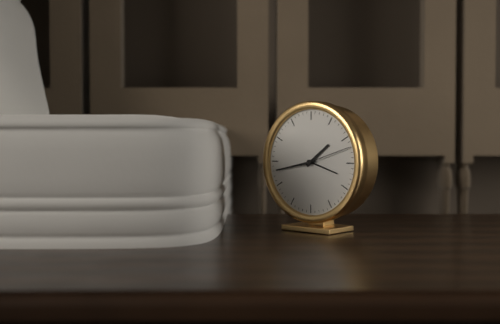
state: 1:43:12
